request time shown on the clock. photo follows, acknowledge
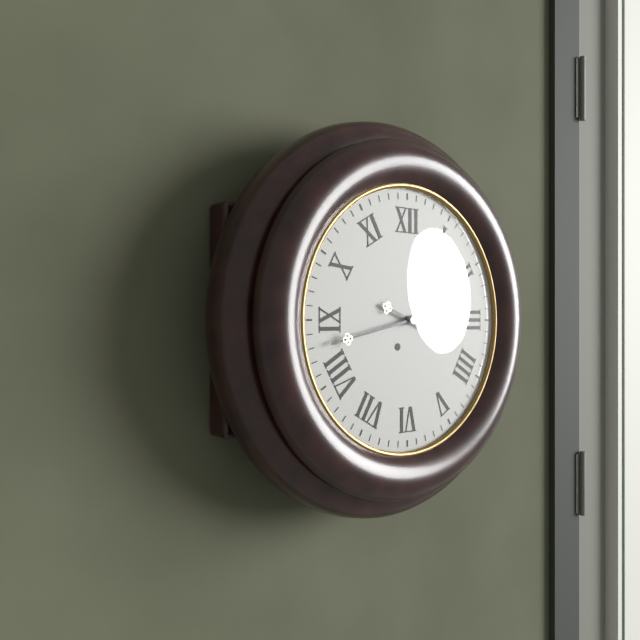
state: 3:43
